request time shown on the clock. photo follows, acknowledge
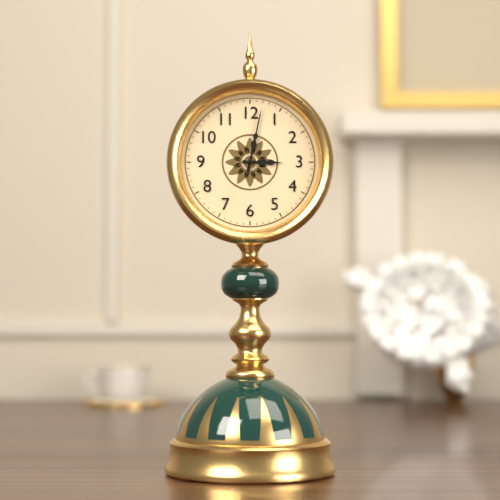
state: 3:02
